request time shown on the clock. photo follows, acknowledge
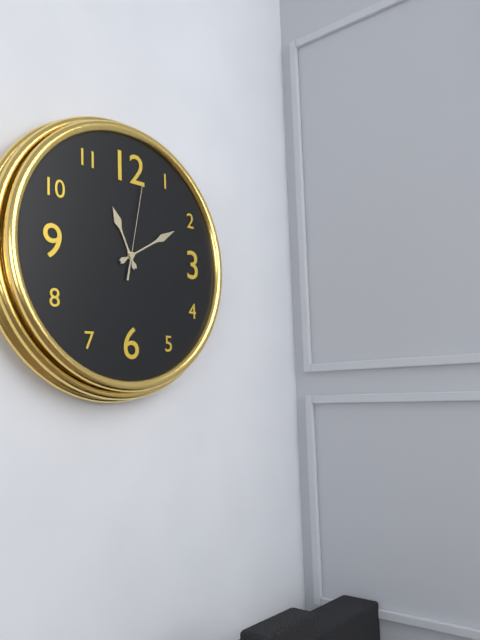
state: 11:10:02
